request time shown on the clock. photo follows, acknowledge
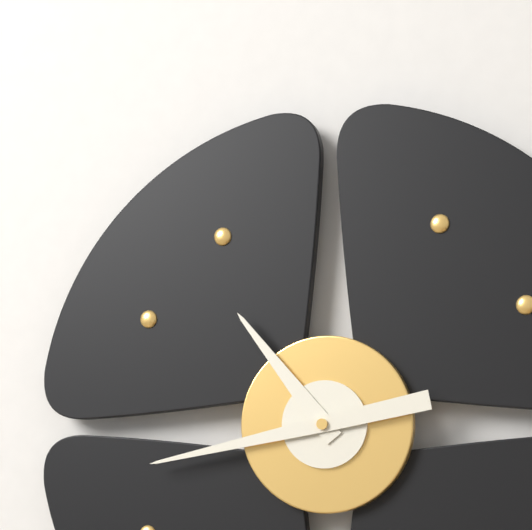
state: 10:43
